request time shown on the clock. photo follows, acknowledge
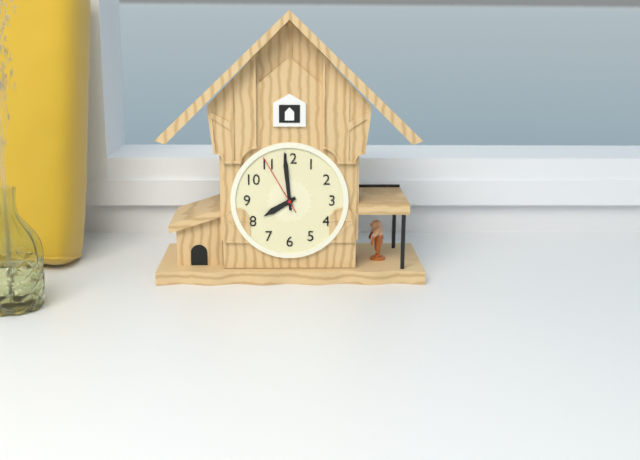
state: 7:59:55
